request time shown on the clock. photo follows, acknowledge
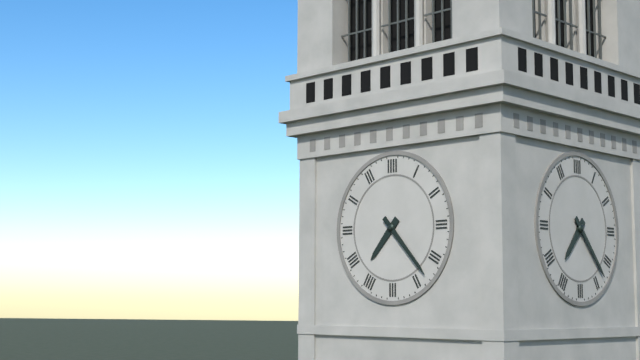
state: 7:23
